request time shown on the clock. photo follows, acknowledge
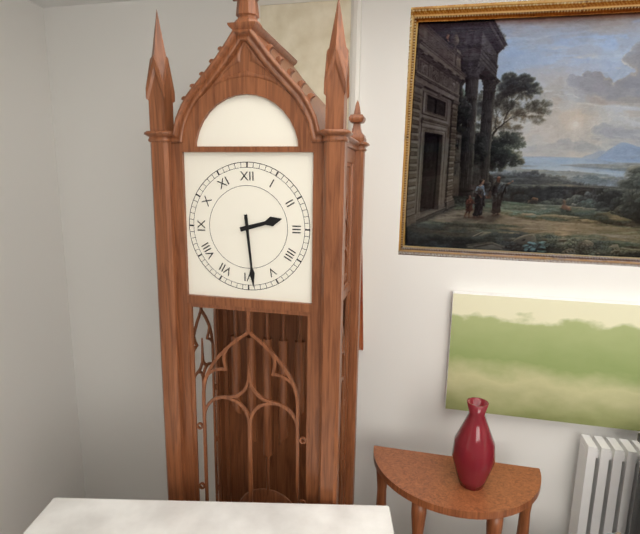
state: 2:29
